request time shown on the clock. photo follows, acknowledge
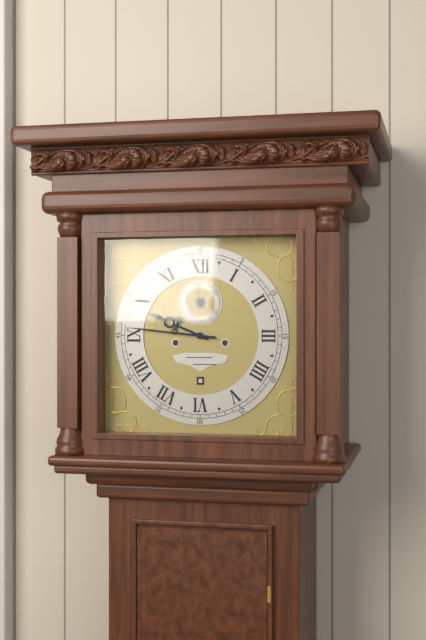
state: 9:46
